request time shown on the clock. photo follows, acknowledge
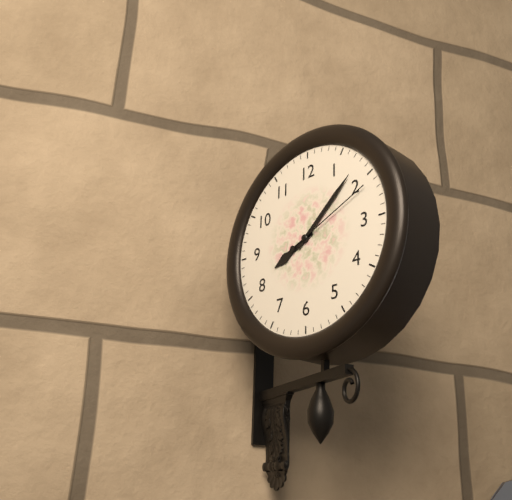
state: 8:08:11
